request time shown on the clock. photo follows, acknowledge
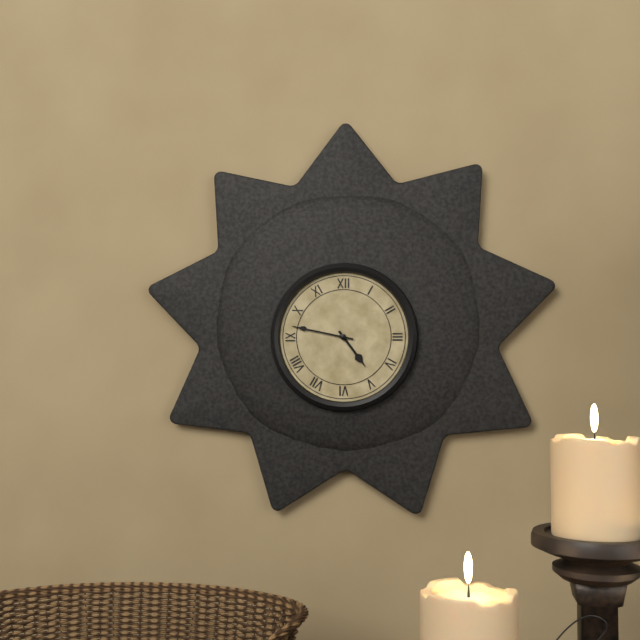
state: 4:47
